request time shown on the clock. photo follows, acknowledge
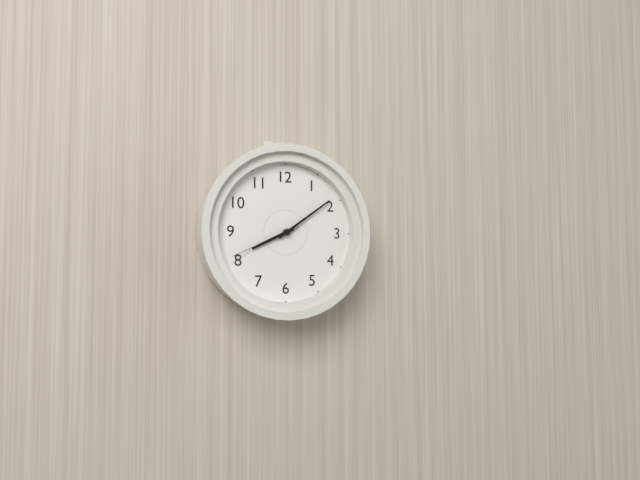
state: 8:09:41
